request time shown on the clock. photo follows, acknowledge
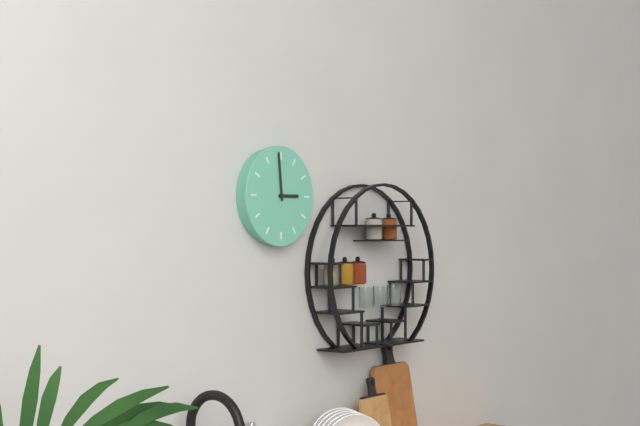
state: 2:59
